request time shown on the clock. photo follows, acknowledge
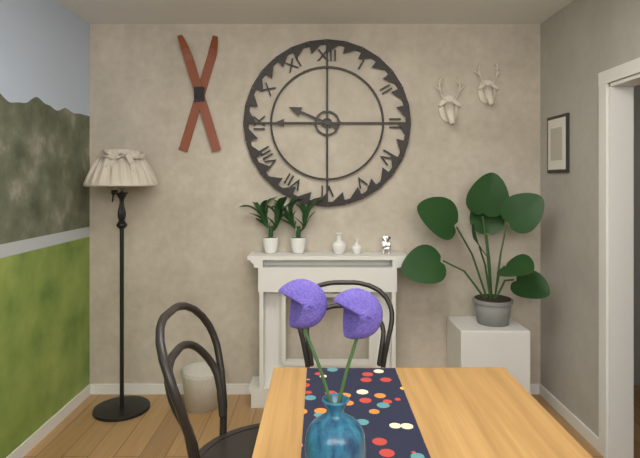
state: 9:45
